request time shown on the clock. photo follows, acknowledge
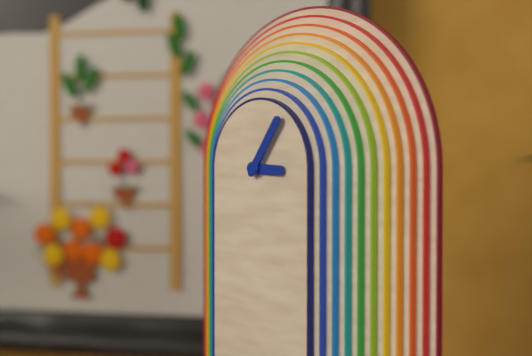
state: 3:06
